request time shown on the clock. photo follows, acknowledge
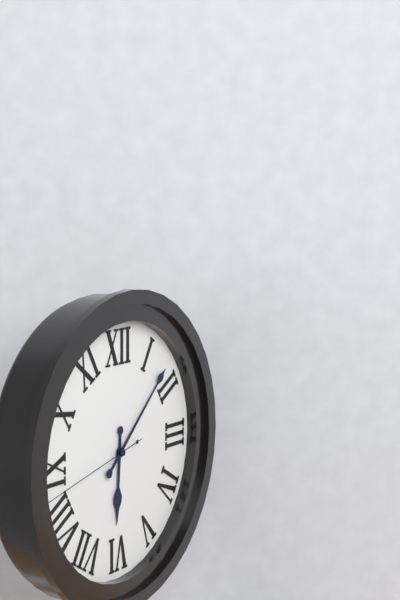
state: 6:08:43
